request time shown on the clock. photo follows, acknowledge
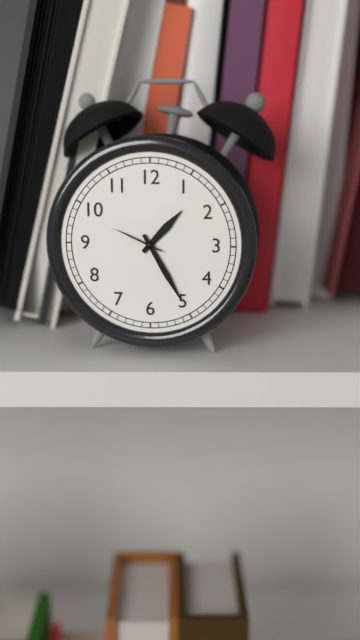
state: 1:25:49
